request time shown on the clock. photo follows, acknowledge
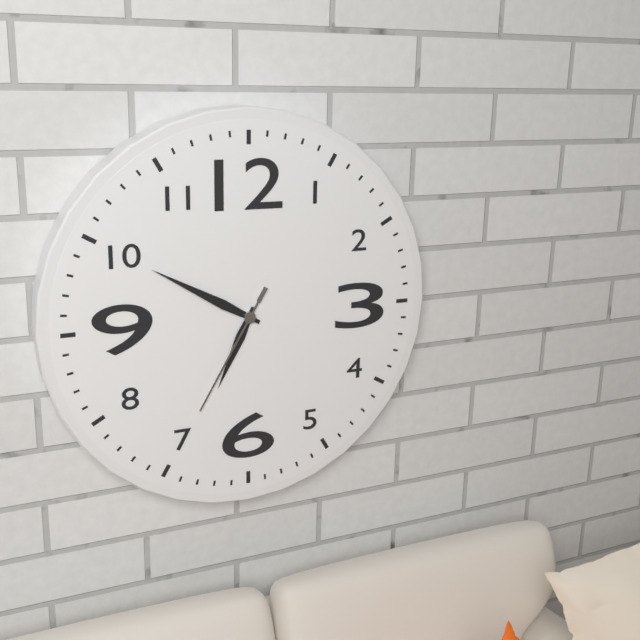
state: 6:50:35
